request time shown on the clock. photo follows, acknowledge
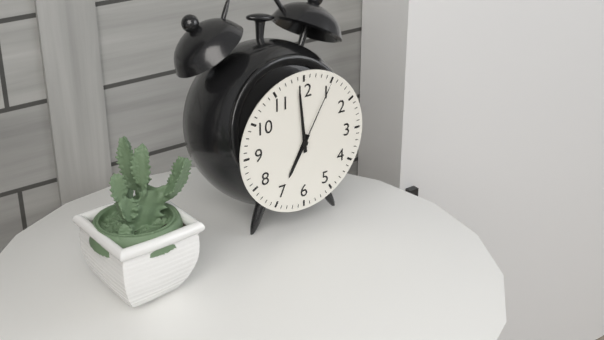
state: 6:59:05
